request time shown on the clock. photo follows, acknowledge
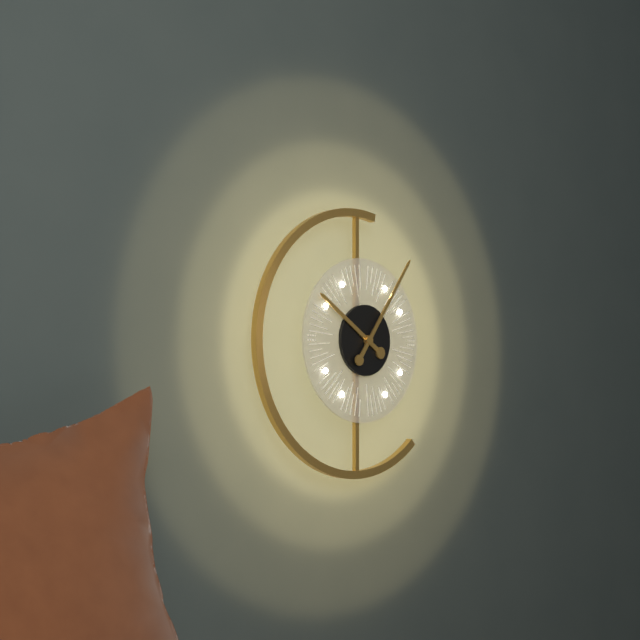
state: 10:06
